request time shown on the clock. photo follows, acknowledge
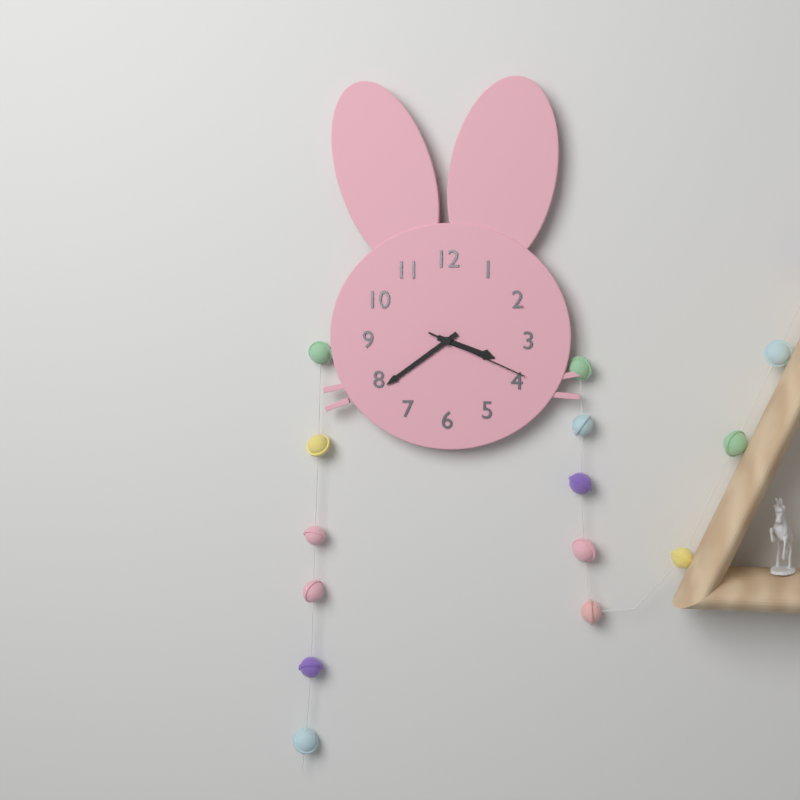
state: 3:39:19
